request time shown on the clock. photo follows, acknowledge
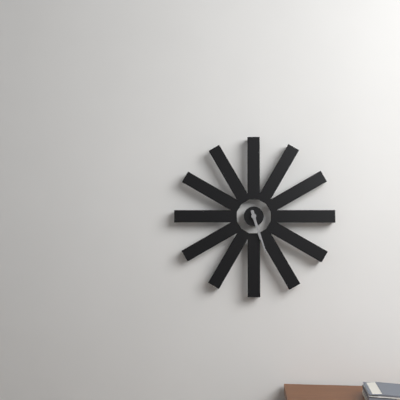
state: 5:27
